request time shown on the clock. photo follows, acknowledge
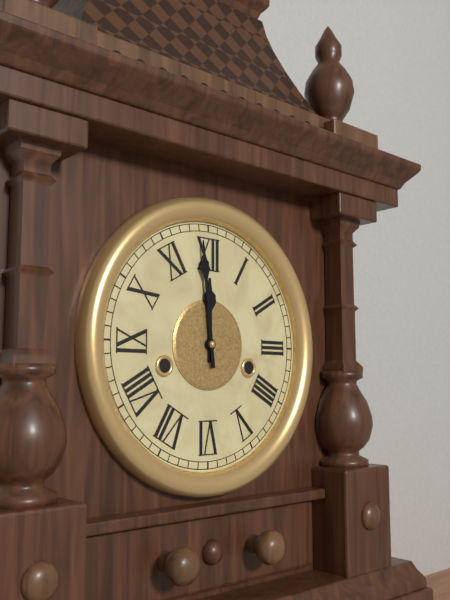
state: 11:59
